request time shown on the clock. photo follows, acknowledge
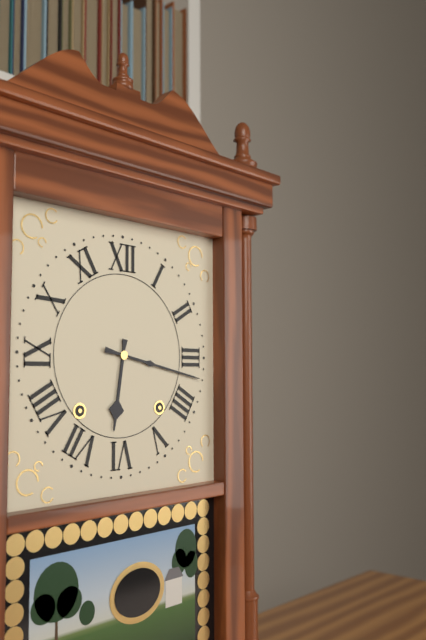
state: 6:17
